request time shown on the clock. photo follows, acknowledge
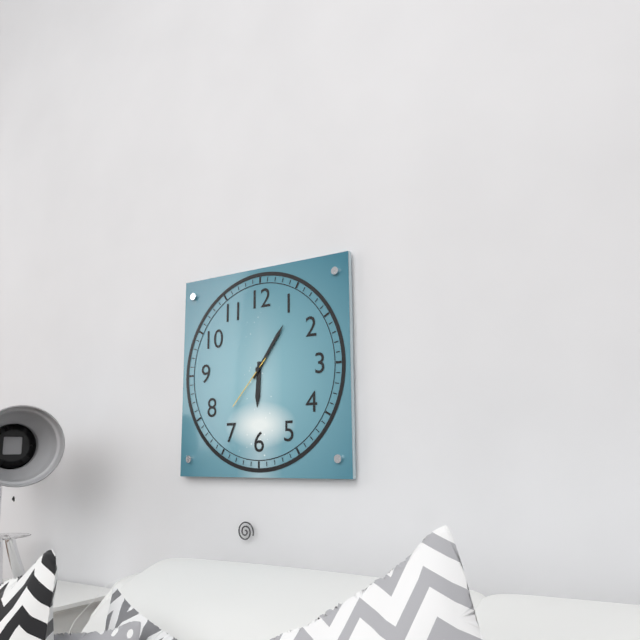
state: 6:06:37
